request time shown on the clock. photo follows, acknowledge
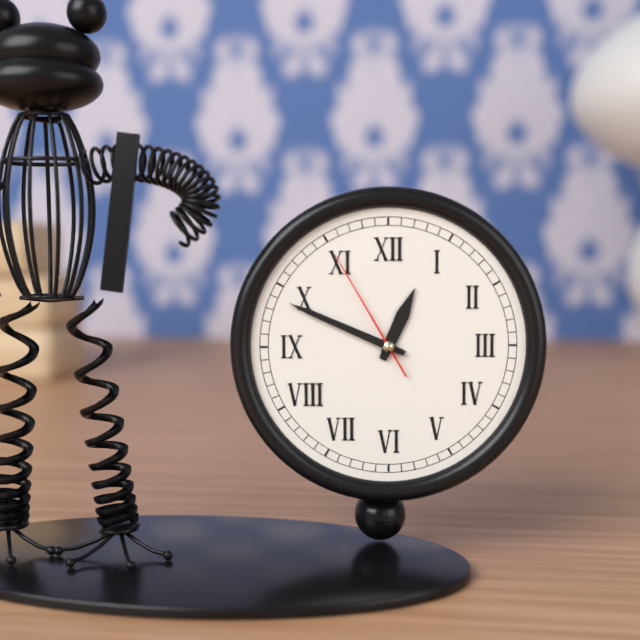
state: 12:49:55
